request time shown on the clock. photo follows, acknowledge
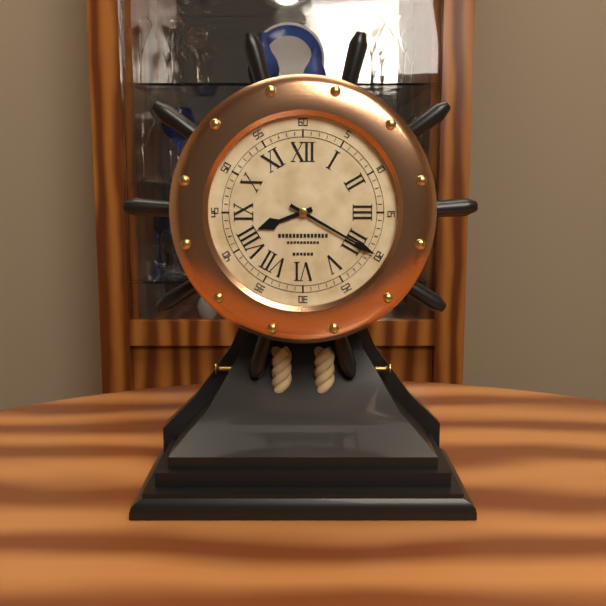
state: 8:20
